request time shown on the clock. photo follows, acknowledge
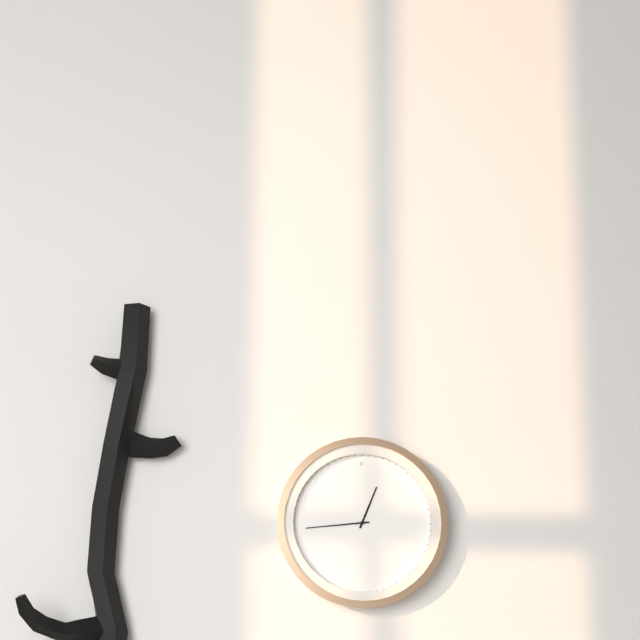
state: 12:44
